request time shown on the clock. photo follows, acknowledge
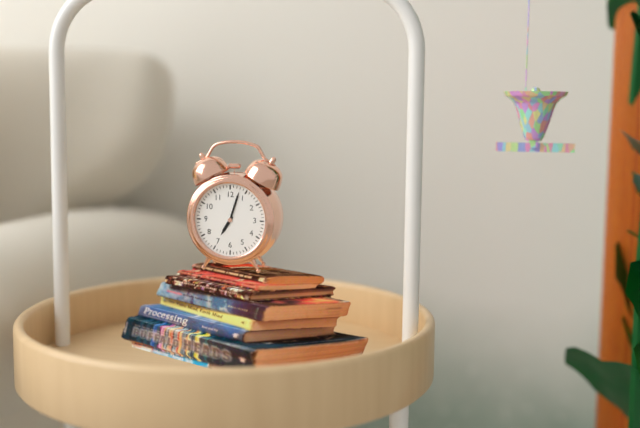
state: 7:03
